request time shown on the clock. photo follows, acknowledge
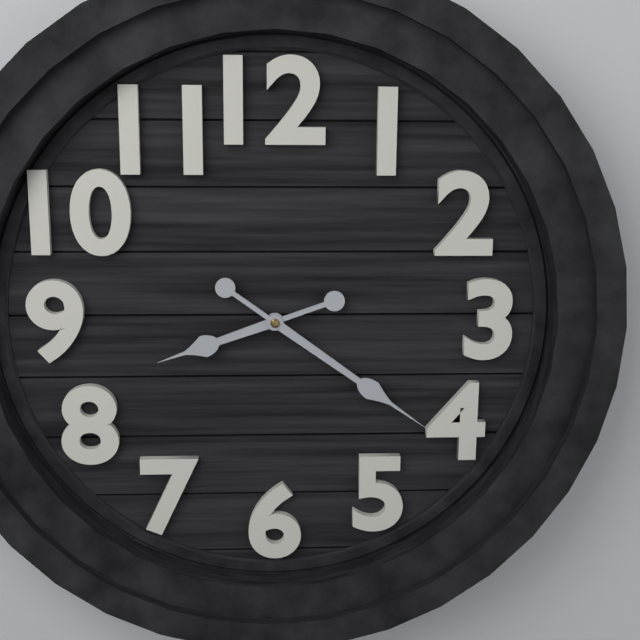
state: 8:21
